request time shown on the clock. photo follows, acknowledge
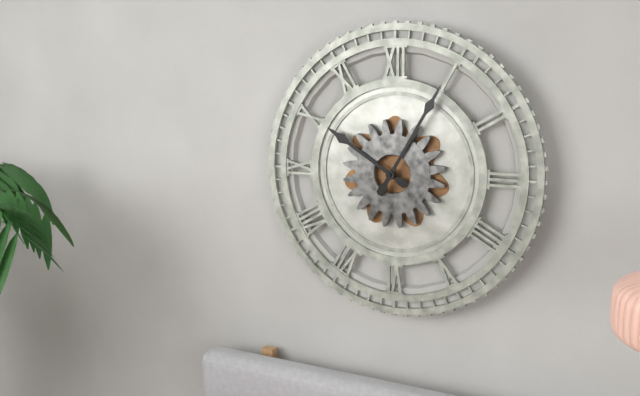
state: 10:05
